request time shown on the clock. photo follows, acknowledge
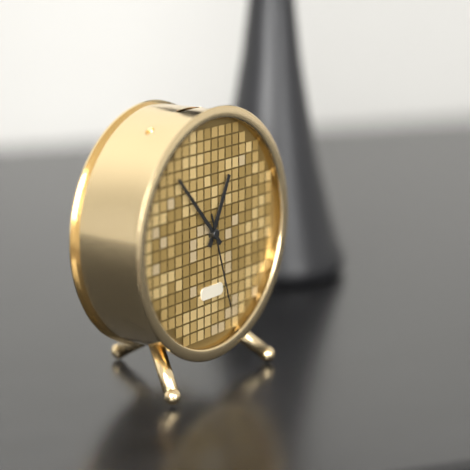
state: 12:53:27
